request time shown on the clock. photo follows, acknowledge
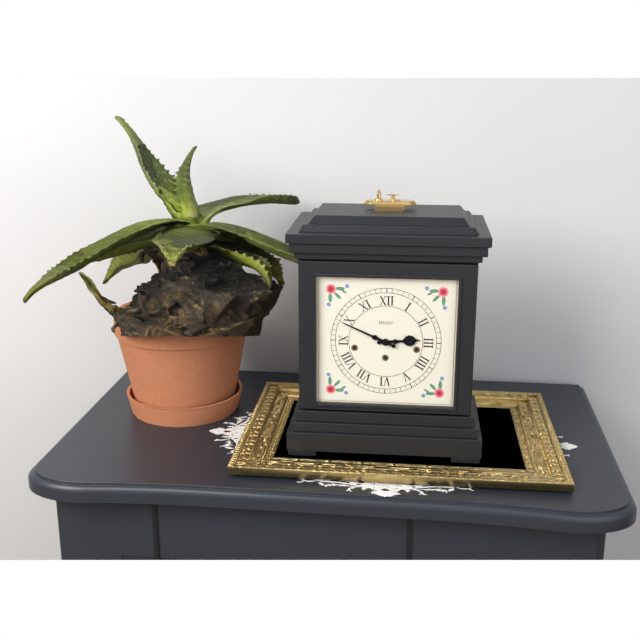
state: 2:49
